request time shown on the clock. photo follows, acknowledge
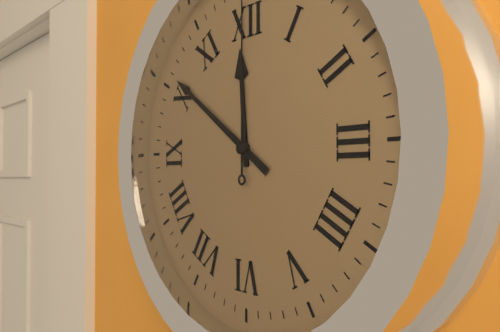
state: 11:51
